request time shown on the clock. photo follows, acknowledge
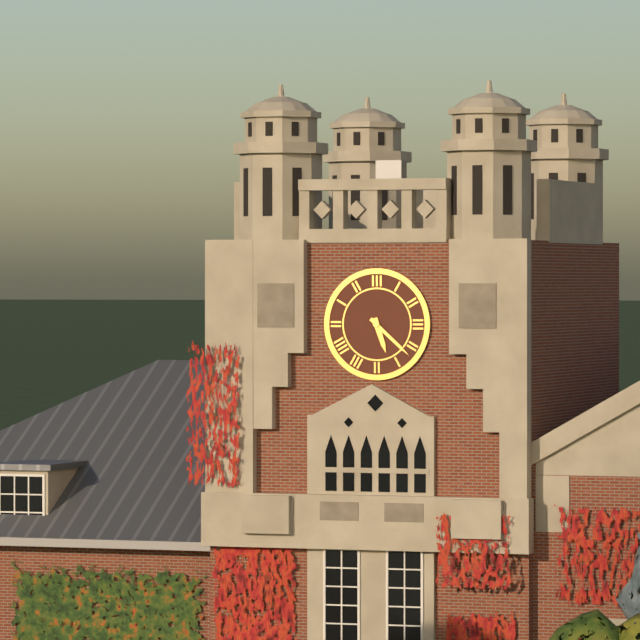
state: 5:22
